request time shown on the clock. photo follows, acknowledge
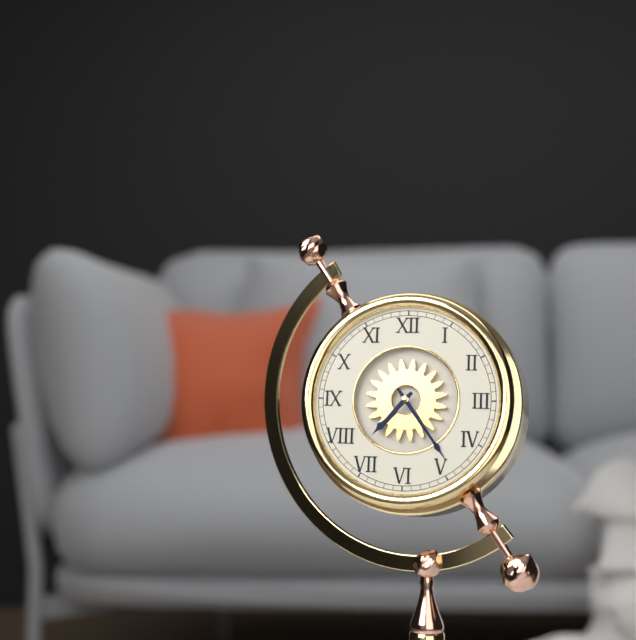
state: 7:24
